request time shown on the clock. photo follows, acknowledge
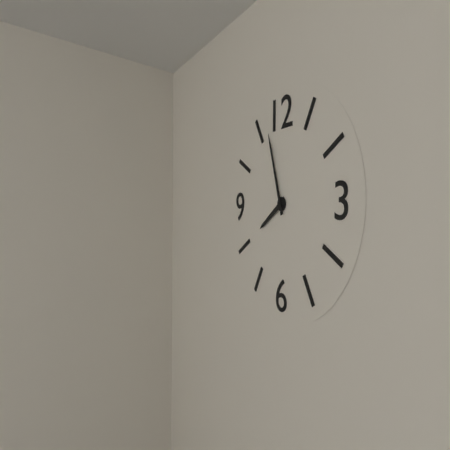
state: 7:57
